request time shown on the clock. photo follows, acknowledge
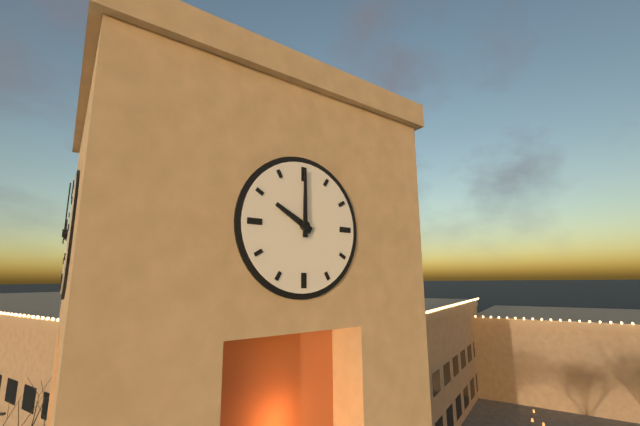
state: 10:00
